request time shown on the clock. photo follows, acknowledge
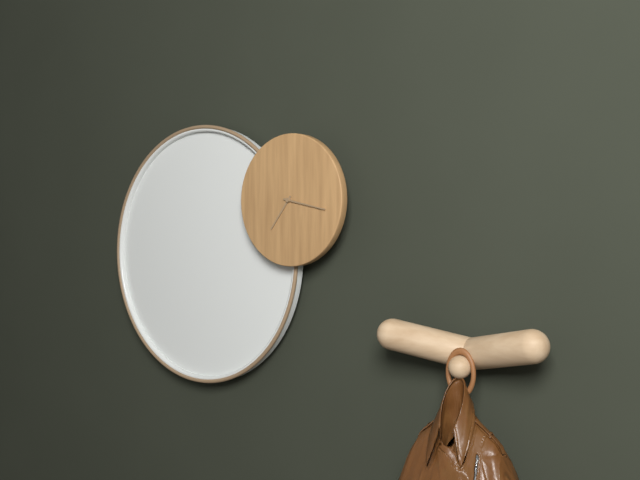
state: 7:17
